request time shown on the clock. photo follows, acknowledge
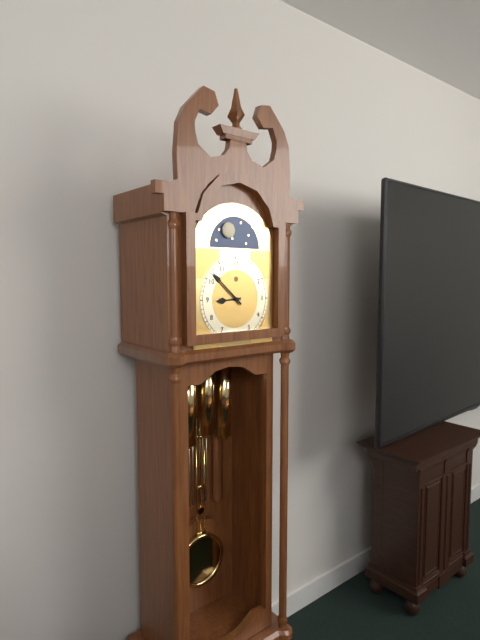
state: 8:52
